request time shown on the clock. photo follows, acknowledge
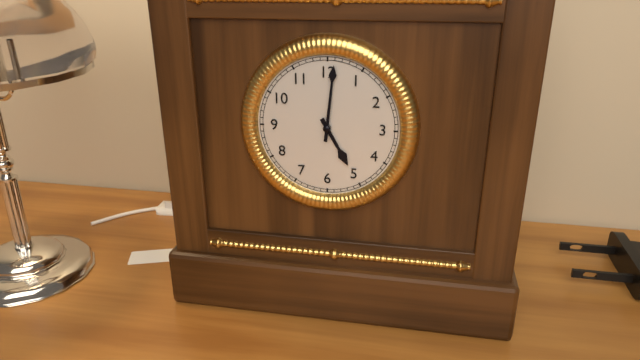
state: 5:01
